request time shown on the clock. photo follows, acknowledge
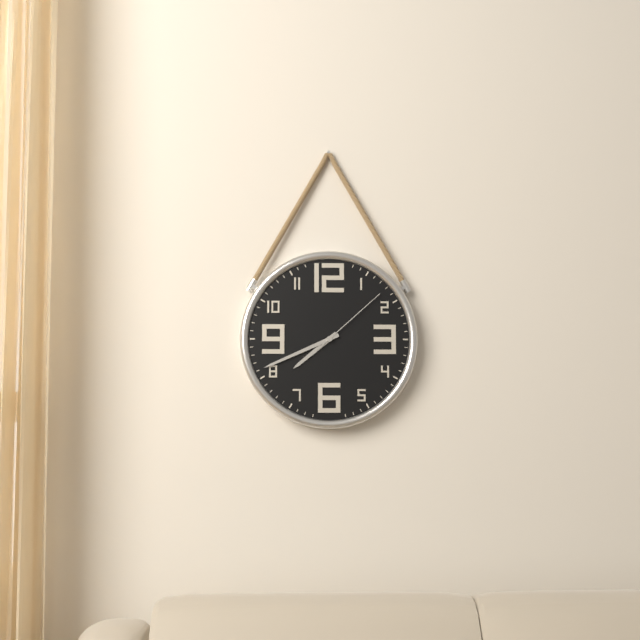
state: 7:41:08
